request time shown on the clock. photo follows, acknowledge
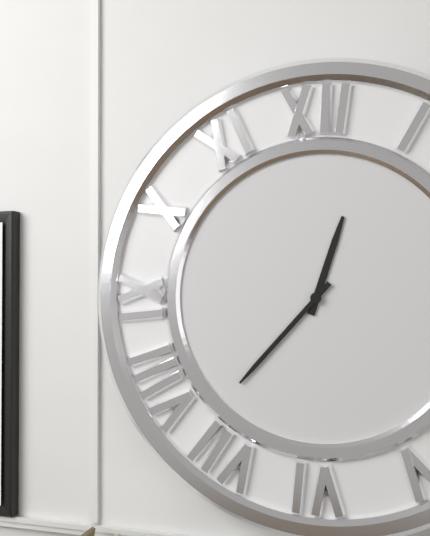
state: 12:37
